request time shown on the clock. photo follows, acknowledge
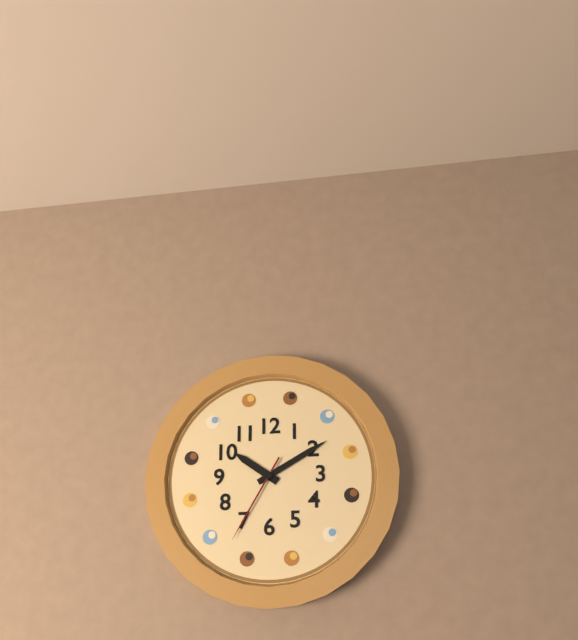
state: 10:10:35
